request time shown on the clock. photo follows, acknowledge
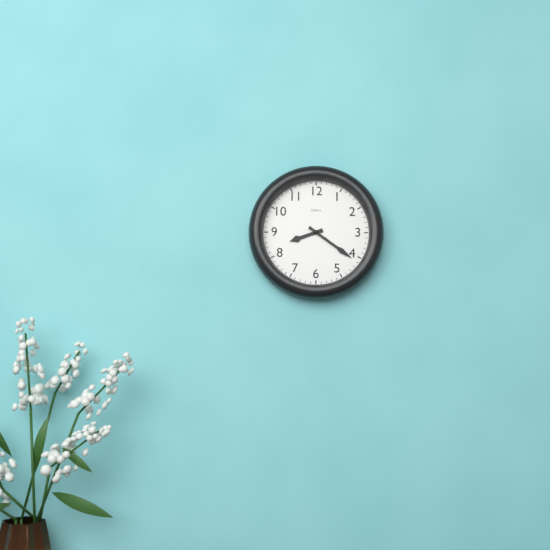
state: 8:21
